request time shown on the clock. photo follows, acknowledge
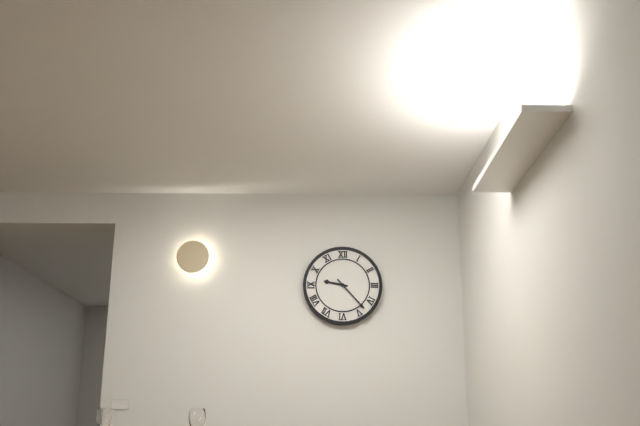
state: 9:23
